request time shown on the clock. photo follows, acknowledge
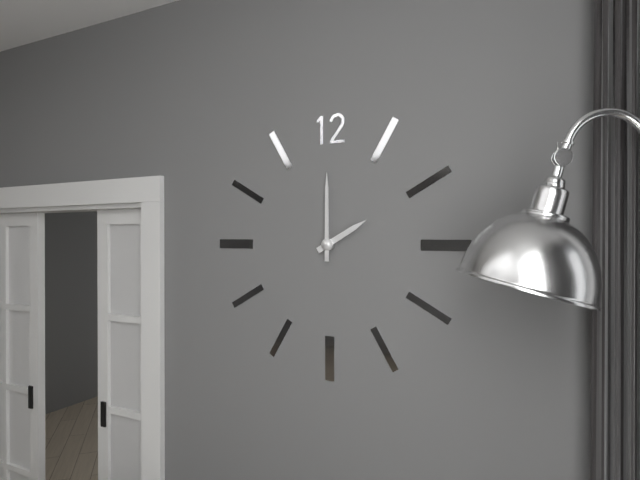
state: 2:00
